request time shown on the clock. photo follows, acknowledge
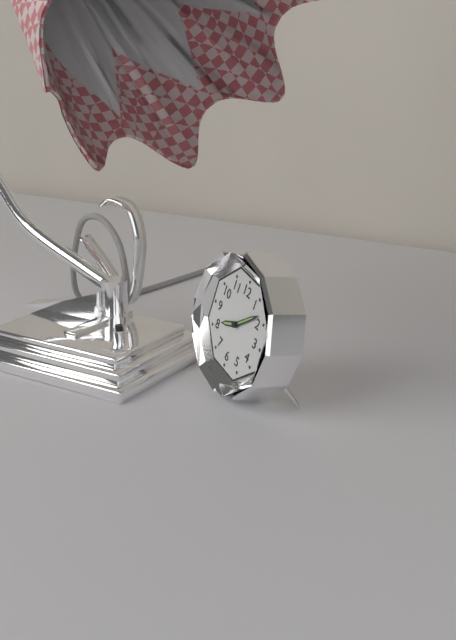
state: 8:08
